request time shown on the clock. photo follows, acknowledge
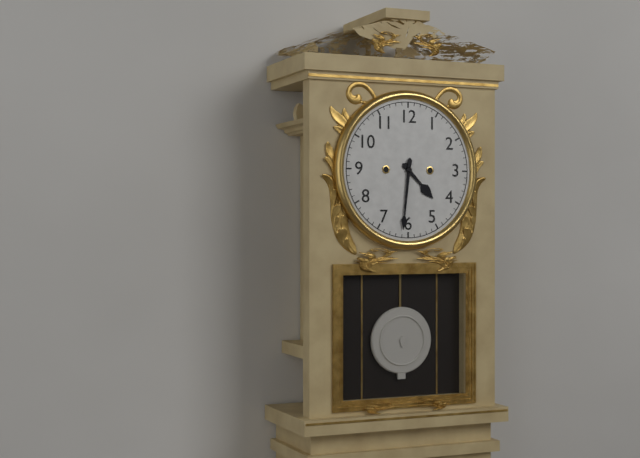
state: 4:31
